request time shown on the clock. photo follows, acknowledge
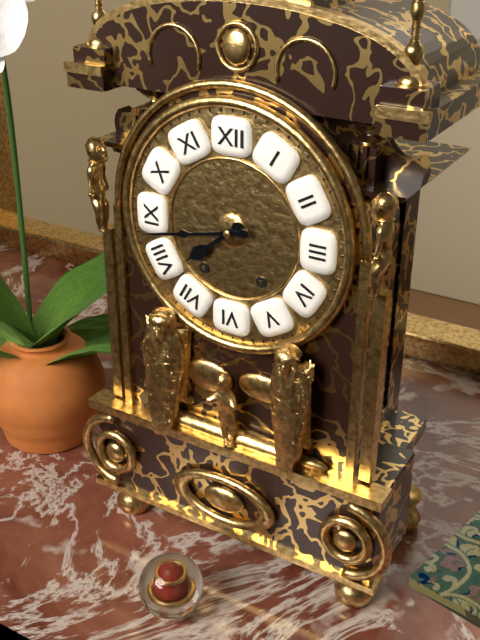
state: 7:43
